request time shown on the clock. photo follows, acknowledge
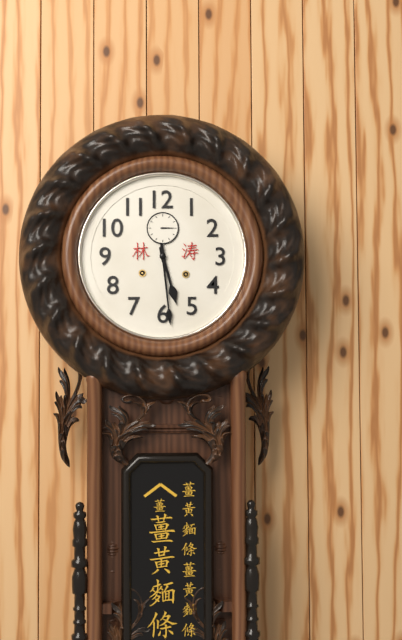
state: 5:29
